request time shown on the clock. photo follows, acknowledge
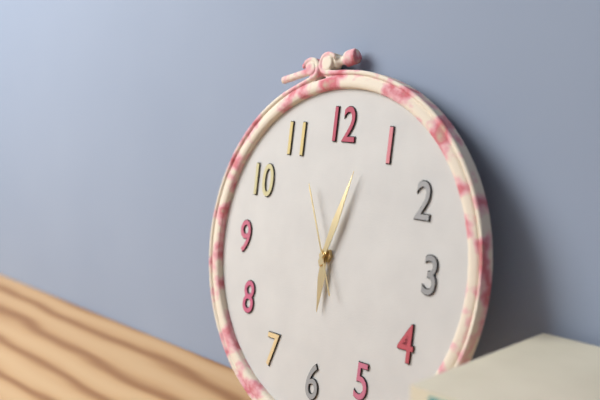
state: 6:03:56
